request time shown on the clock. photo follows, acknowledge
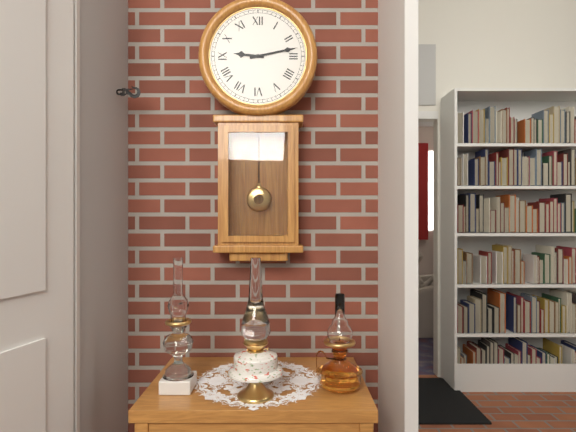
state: 9:13
